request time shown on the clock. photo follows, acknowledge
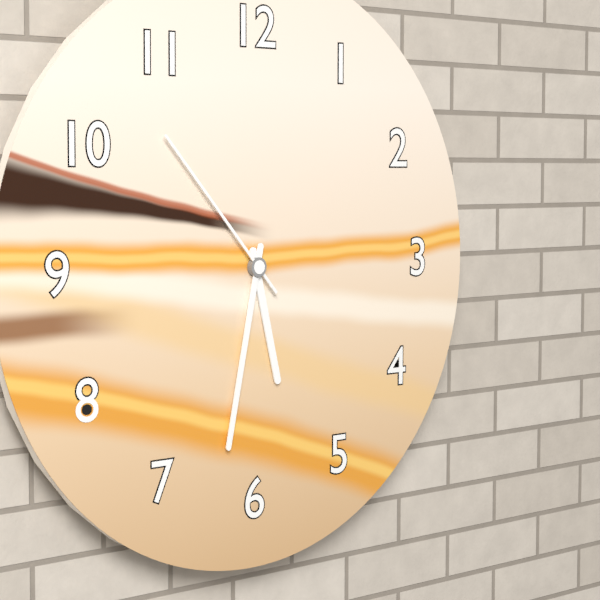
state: 5:32:53
